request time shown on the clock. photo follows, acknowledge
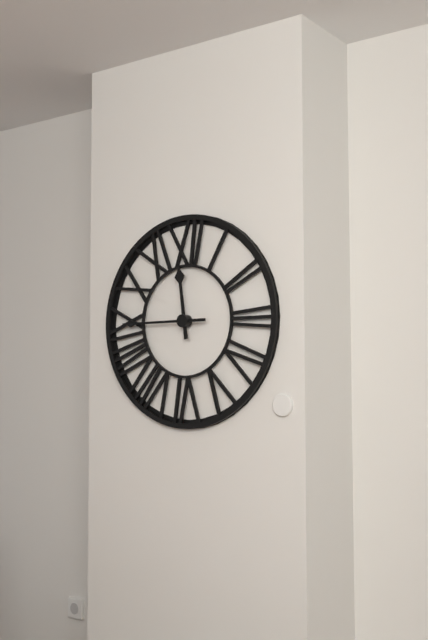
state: 11:45
